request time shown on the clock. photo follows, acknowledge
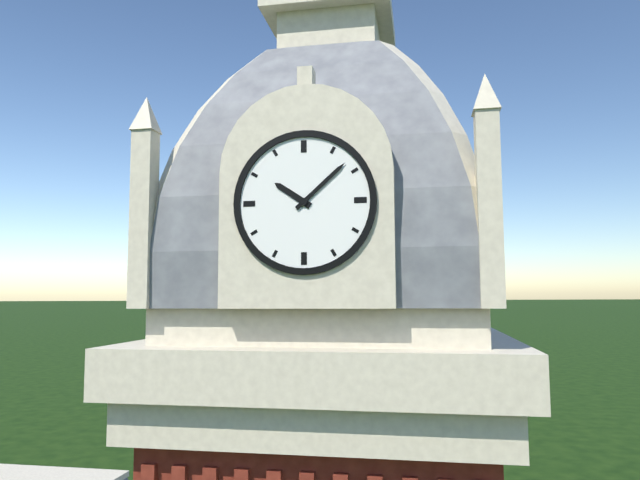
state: 10:08
